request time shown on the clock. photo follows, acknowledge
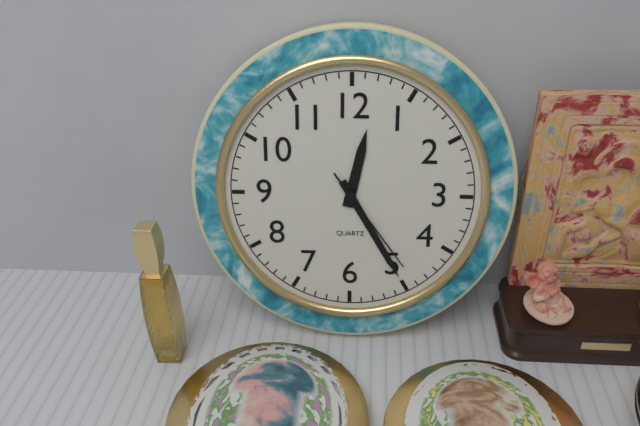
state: 12:25:24
